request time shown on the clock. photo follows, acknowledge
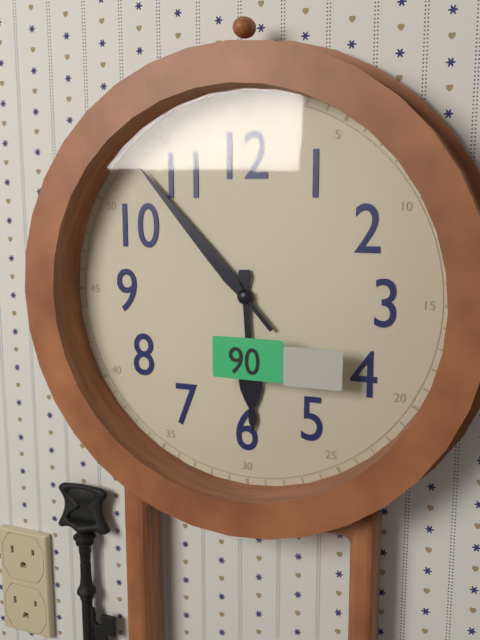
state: 5:53
